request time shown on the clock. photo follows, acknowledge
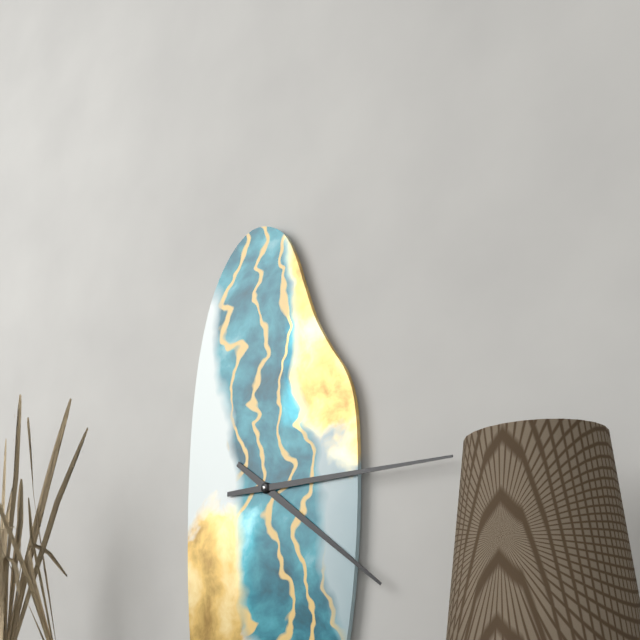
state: 4:15
